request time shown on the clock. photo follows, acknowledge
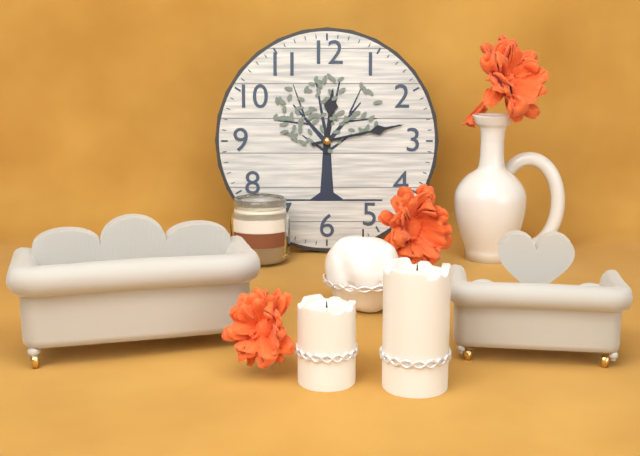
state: 12:13
